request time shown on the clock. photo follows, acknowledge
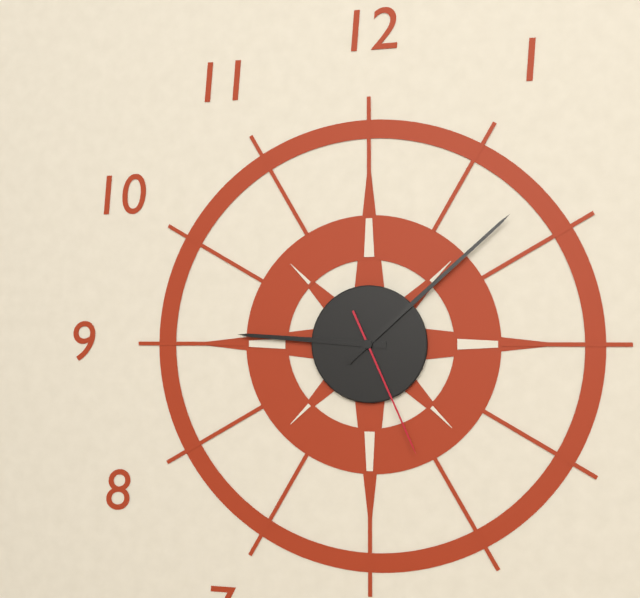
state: 9:08:26
